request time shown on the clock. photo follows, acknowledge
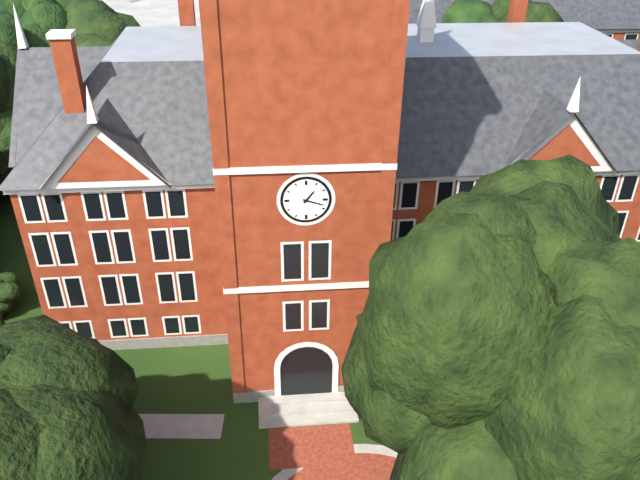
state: 1:18
